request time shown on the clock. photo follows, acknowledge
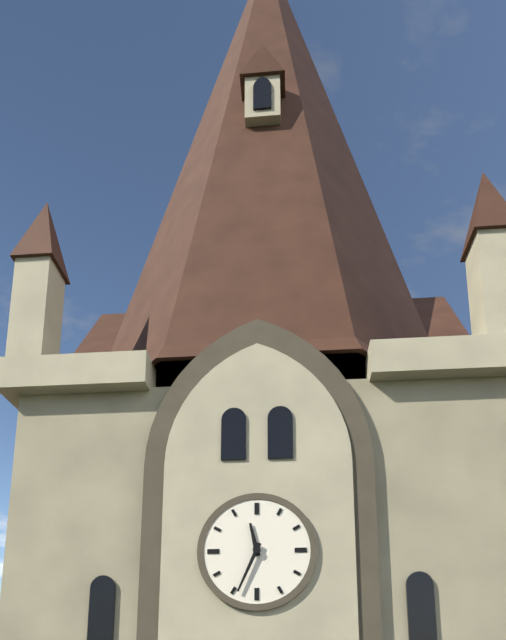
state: 11:34
